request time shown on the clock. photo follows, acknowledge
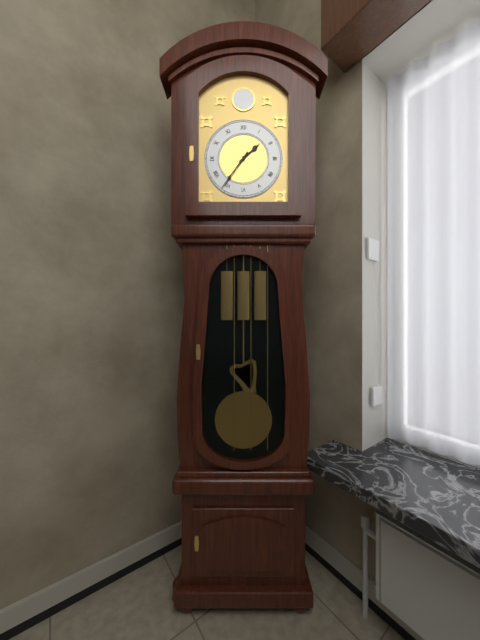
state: 1:36
